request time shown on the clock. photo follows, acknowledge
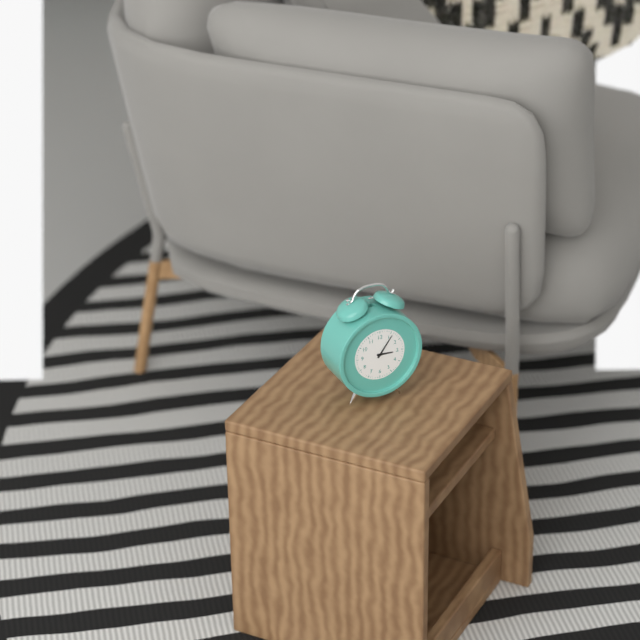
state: 3:06
